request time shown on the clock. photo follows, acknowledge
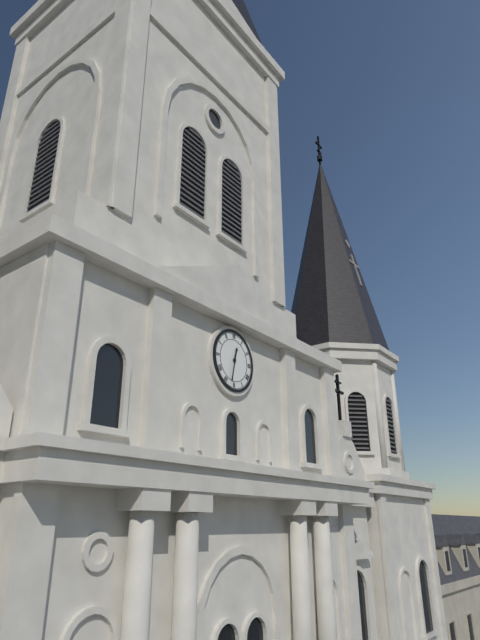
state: 12:32
